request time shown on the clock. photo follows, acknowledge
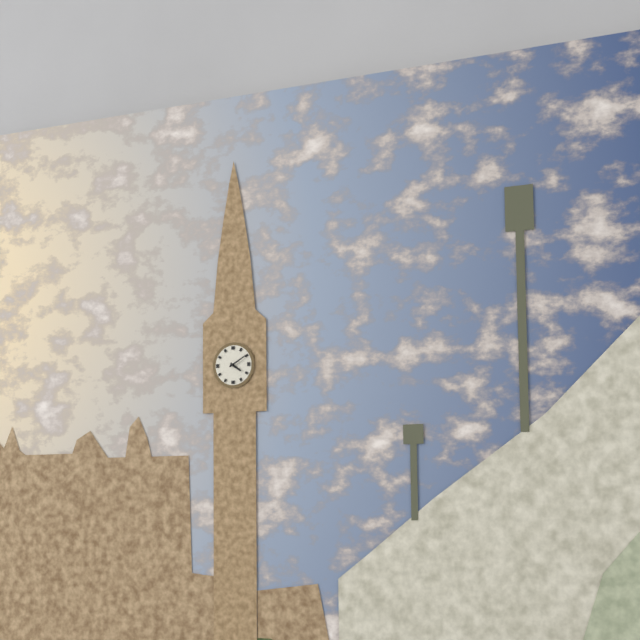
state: 4:10
